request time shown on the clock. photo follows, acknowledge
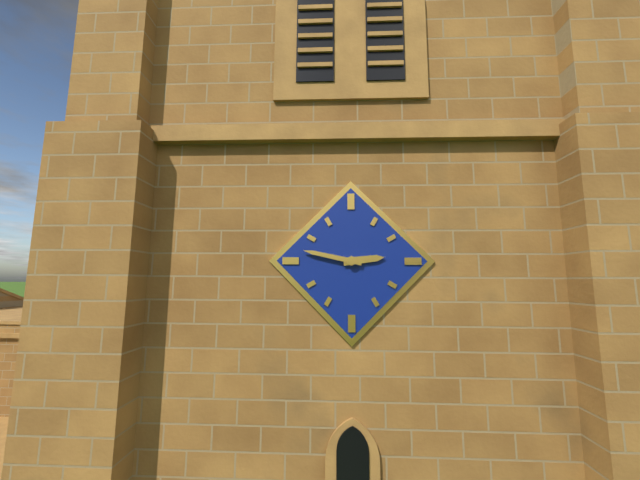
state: 2:47
